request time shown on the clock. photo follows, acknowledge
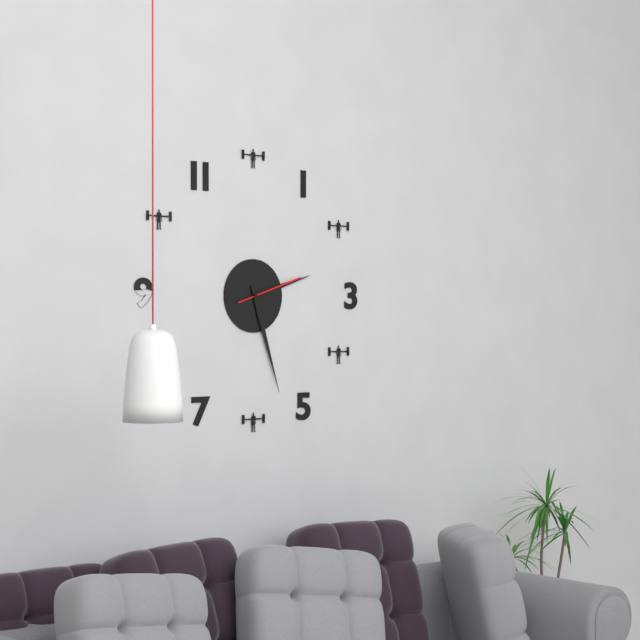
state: 2:27:12
